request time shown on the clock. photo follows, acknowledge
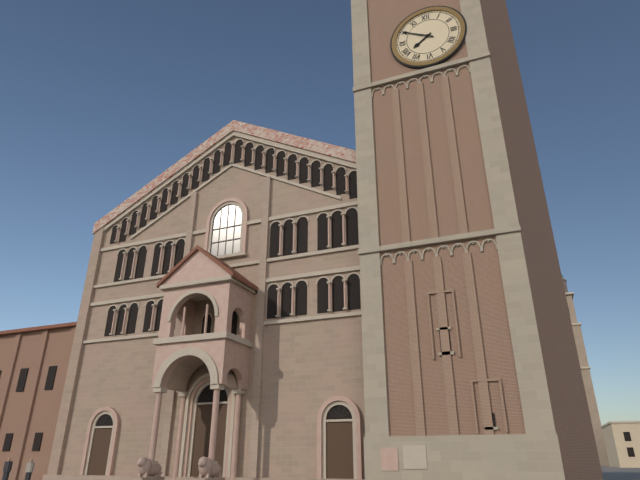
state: 7:50
